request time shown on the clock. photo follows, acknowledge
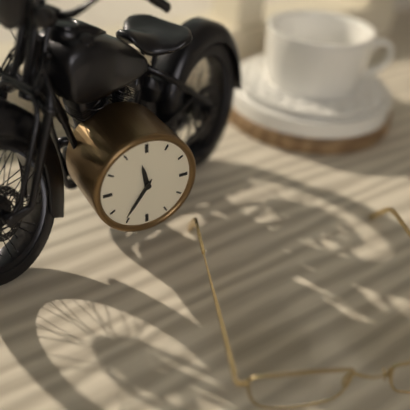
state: 11:36
